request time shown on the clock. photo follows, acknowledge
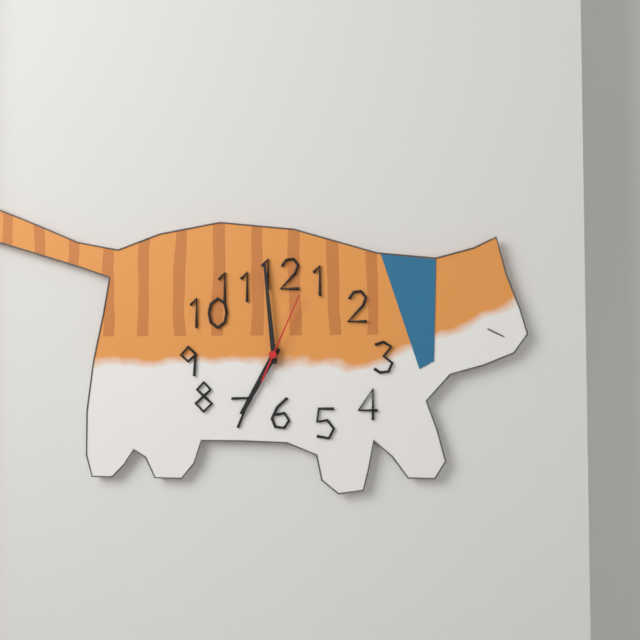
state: 6:59:04
